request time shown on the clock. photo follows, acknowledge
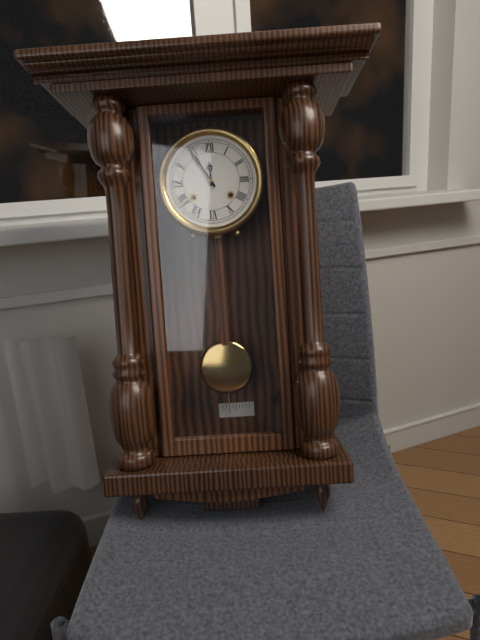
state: 11:55
